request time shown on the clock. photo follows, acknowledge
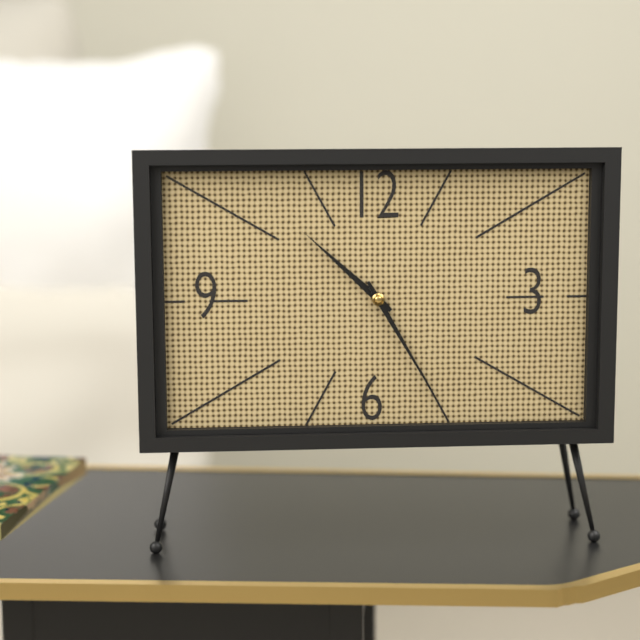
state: 10:25
